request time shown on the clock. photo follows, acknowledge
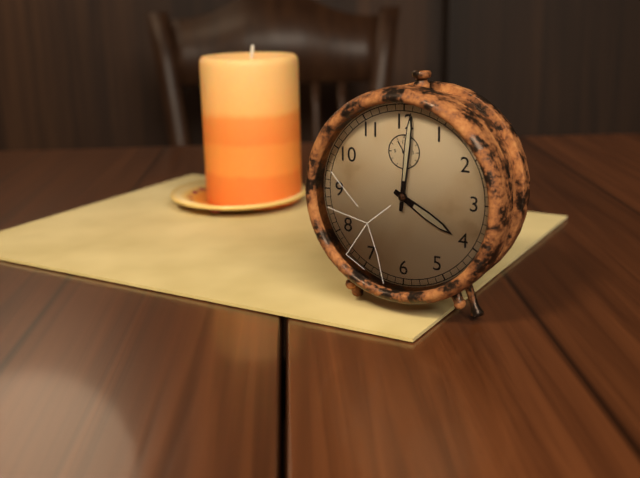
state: 4:01
